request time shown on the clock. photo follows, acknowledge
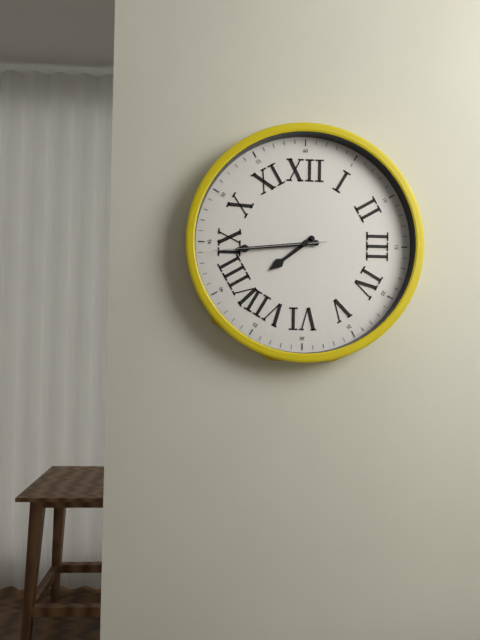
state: 7:44:44
